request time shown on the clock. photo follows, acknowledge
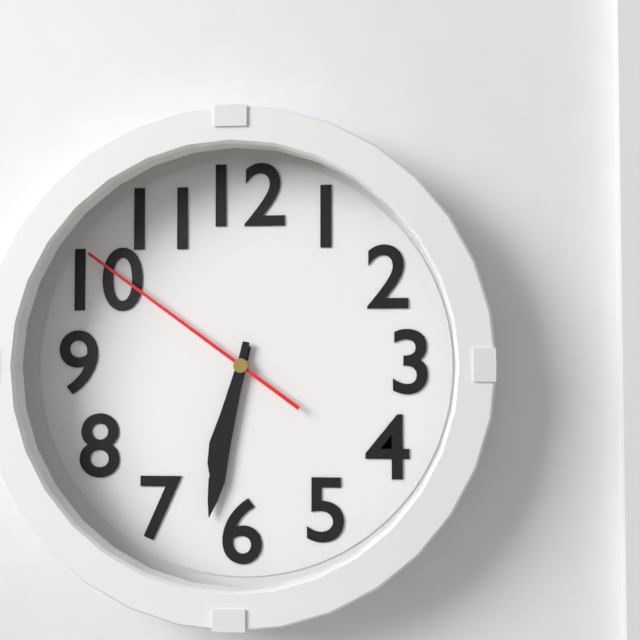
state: 6:32:51
